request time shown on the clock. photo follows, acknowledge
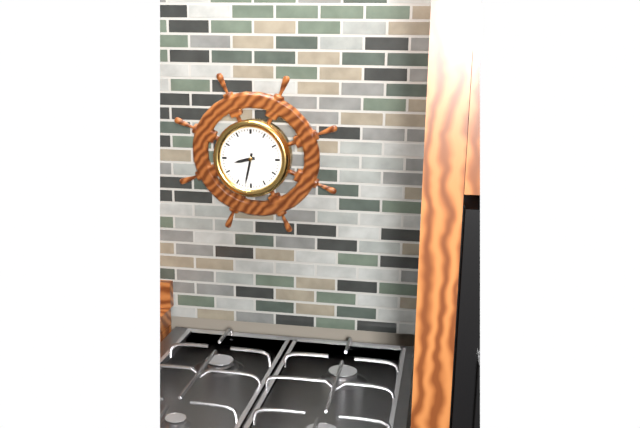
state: 8:32
